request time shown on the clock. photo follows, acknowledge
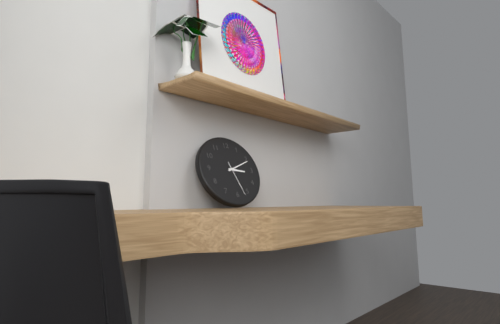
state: 3:11
